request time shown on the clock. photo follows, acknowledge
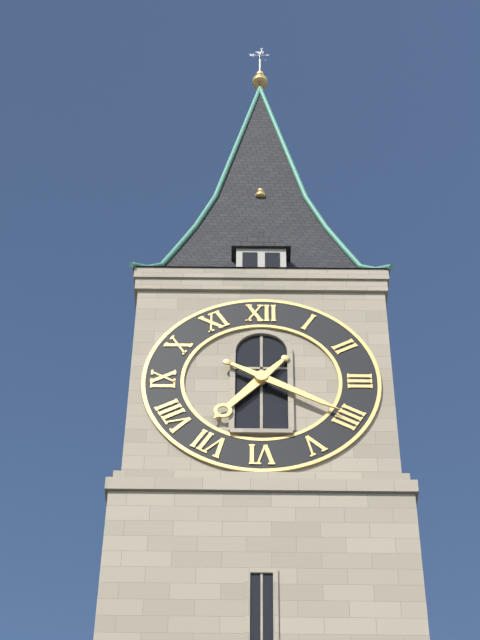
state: 7:20
